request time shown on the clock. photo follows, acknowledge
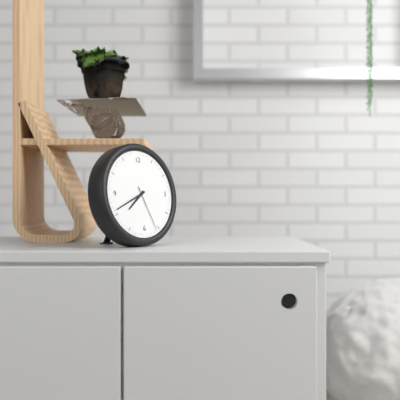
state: 7:41
